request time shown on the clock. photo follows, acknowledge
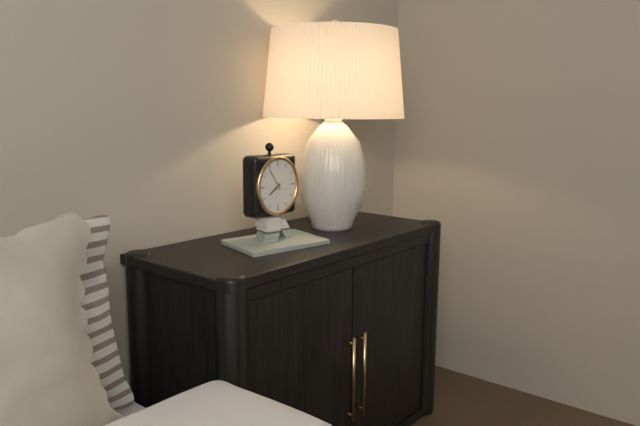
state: 7:54
